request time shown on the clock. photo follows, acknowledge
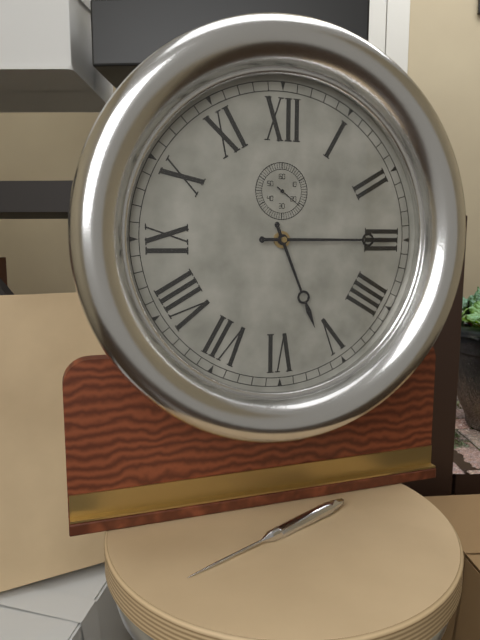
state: 5:15
